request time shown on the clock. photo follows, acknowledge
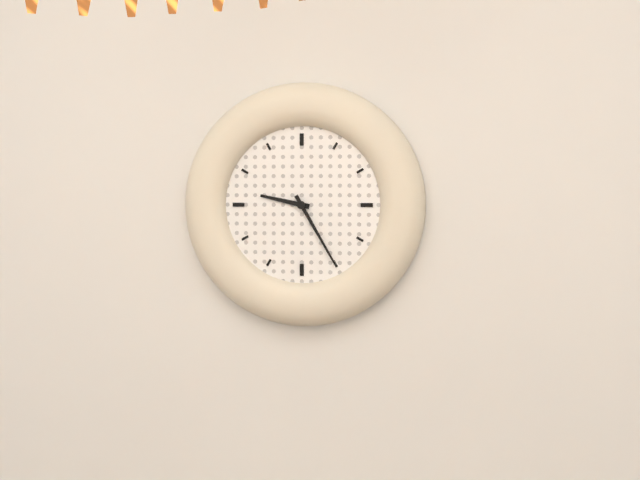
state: 9:25
